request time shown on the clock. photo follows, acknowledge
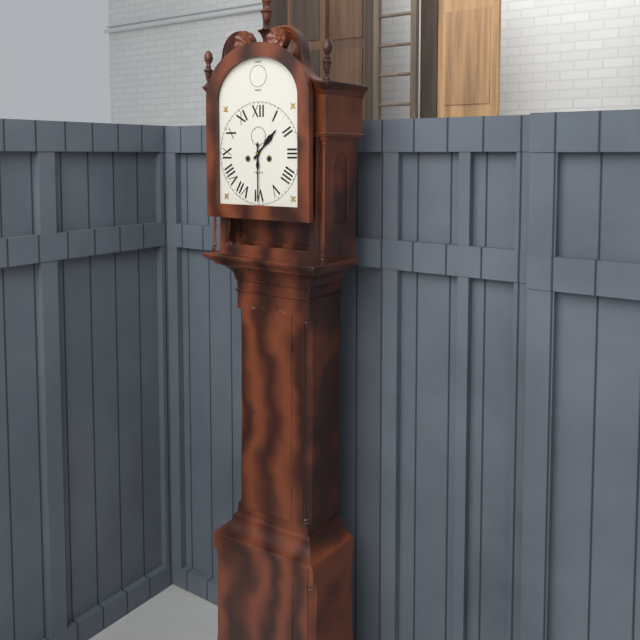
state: 1:30
